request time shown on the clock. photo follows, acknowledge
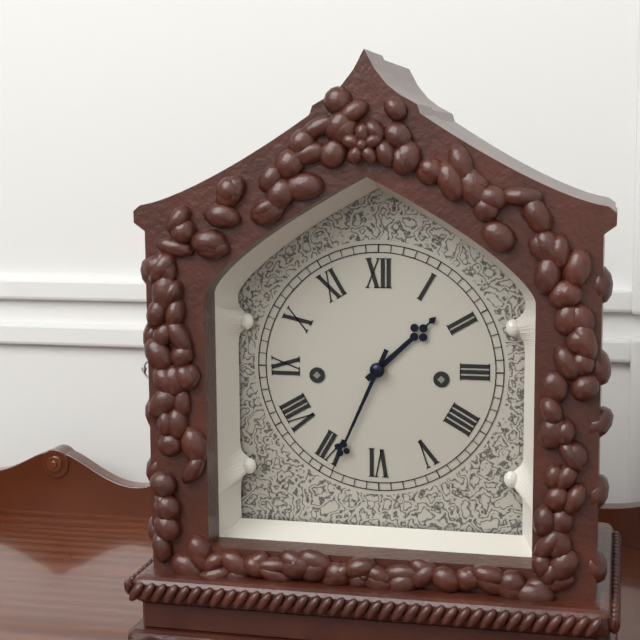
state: 1:34
